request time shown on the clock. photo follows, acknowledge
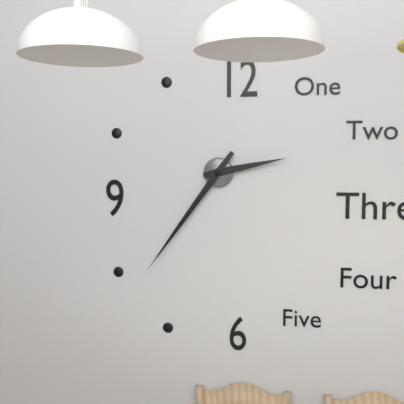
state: 2:36
